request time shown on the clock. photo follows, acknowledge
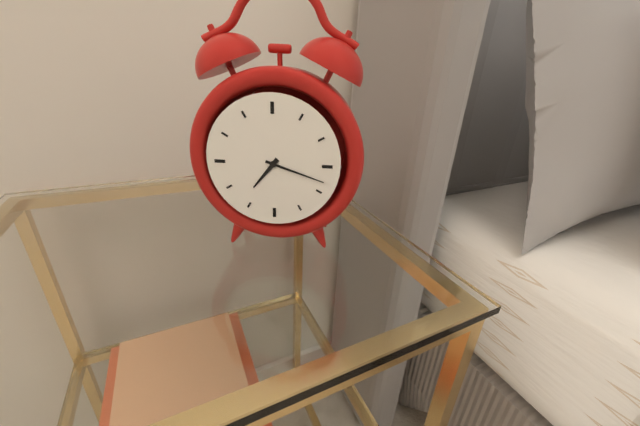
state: 7:18
